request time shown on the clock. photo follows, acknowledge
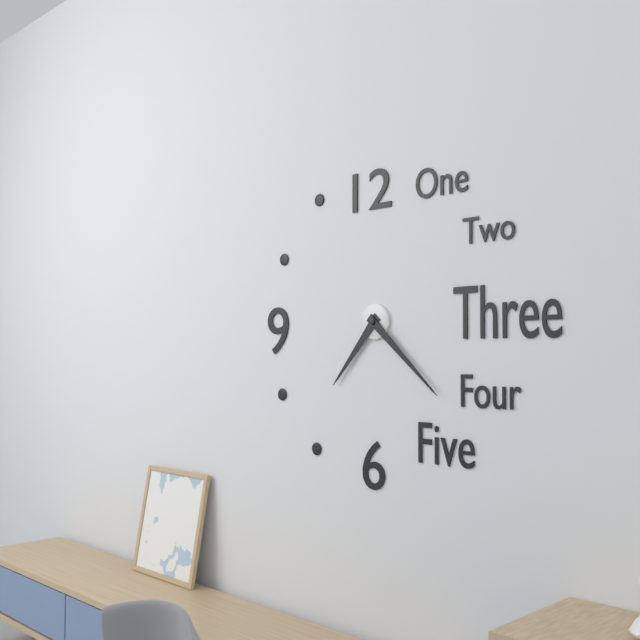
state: 7:22
